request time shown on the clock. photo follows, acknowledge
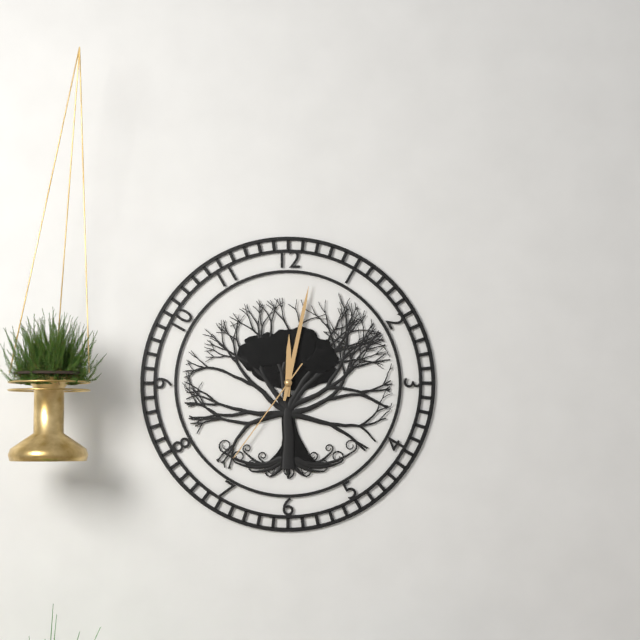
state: 12:02:36
